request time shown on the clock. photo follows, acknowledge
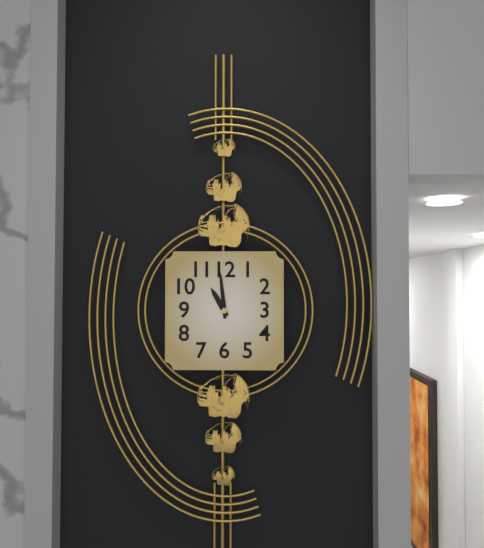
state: 10:59
